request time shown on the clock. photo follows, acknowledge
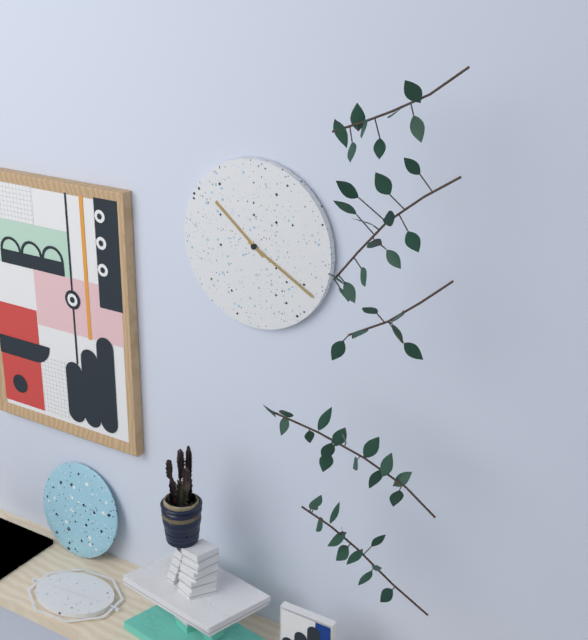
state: 10:20
